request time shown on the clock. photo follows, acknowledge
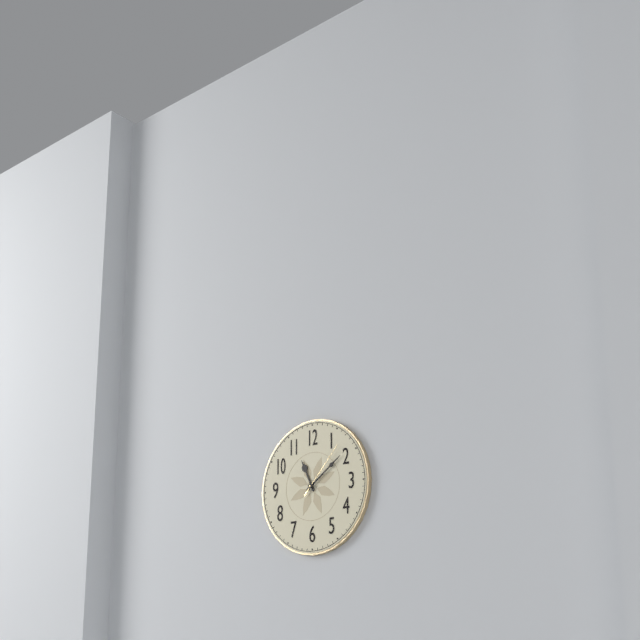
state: 11:09:07
